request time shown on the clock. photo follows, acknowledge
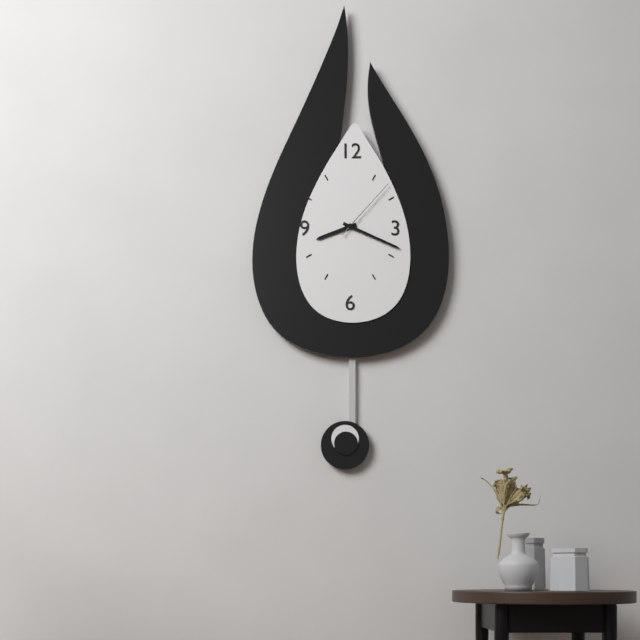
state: 8:19:07
